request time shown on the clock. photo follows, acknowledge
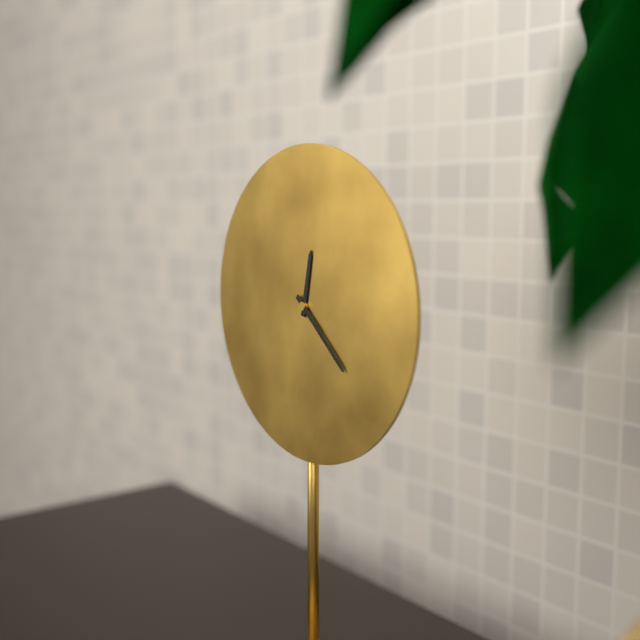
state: 12:22
